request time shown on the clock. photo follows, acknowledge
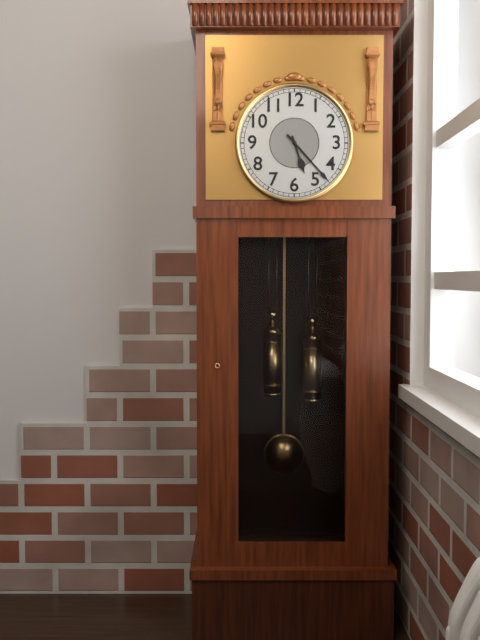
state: 5:23
